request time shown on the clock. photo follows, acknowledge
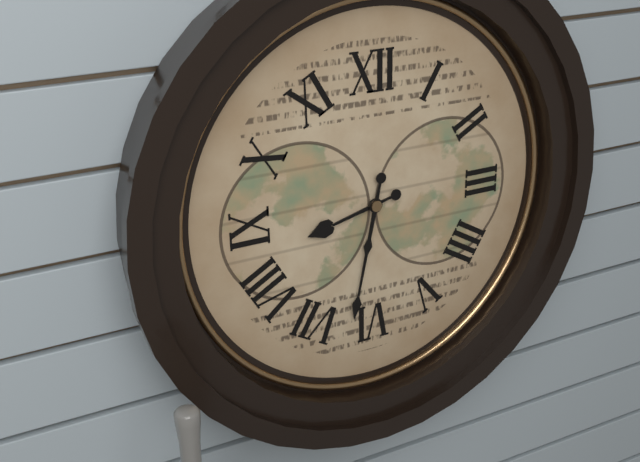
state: 8:32
